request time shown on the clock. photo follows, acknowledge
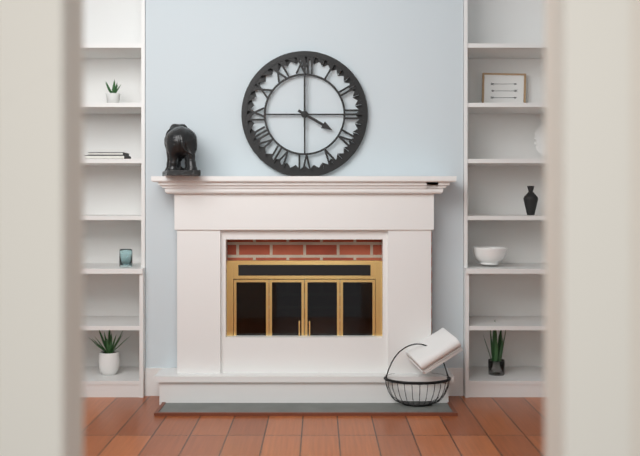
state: 4:00
